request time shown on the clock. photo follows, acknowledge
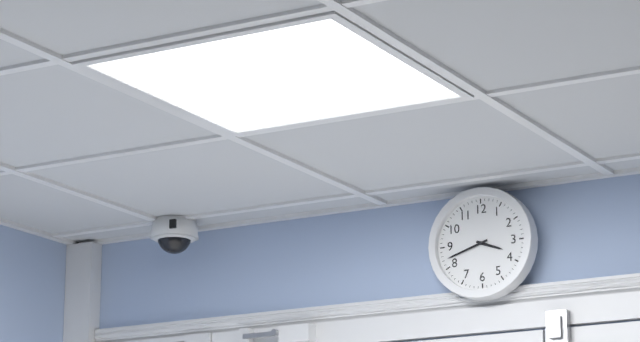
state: 3:42
